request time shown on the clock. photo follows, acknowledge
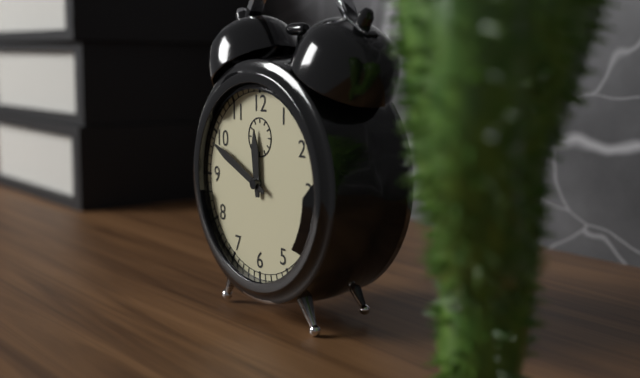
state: 11:49
